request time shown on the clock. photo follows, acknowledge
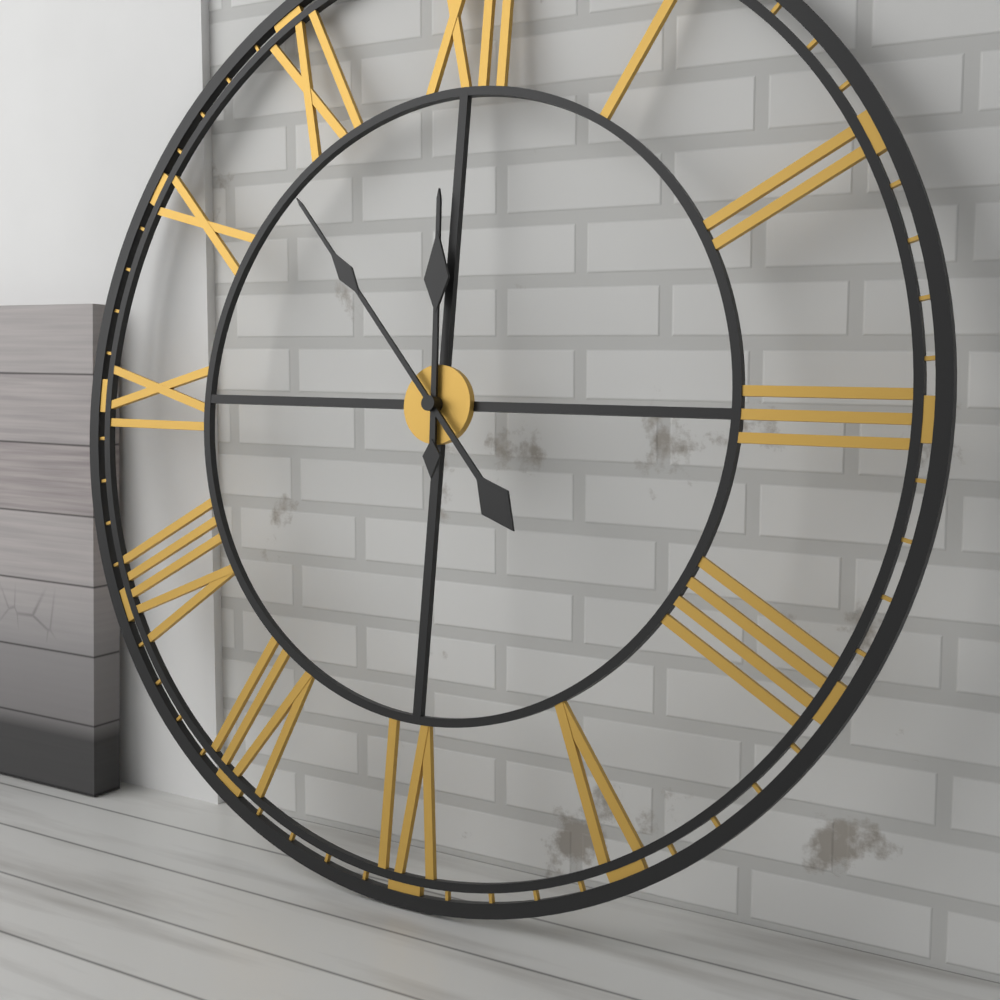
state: 11:53
